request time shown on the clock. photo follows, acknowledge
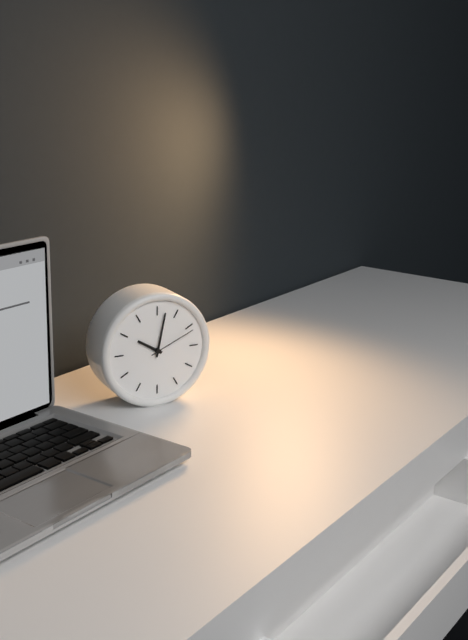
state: 10:02:11
